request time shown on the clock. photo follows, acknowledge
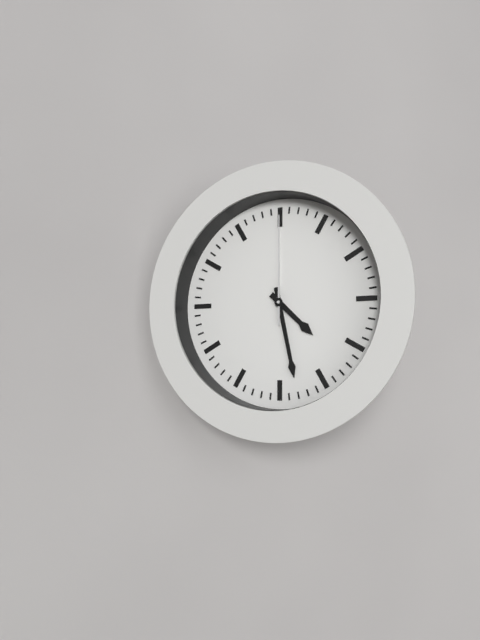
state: 4:28:00
